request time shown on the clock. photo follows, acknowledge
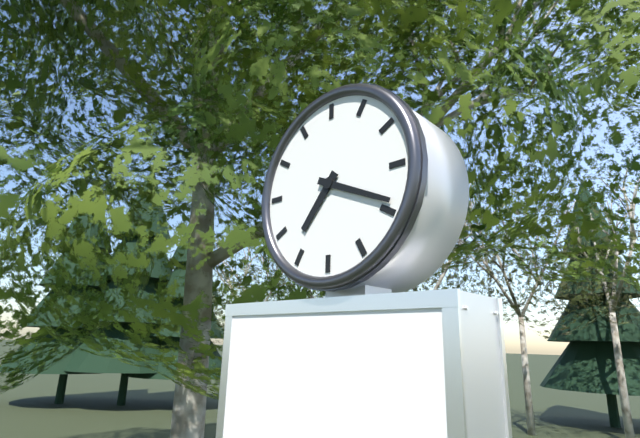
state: 7:19
